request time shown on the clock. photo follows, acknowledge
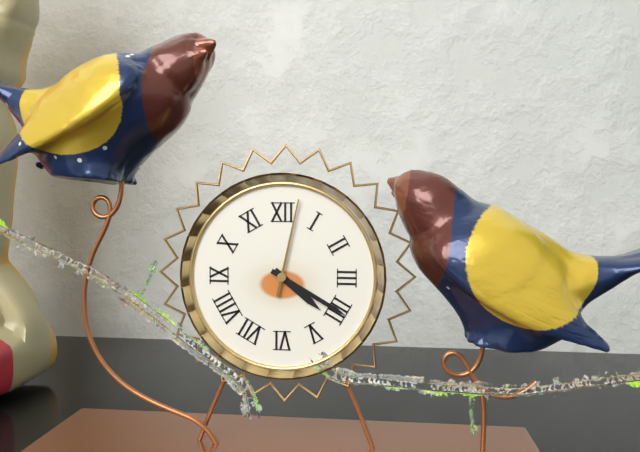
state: 4:20:02
